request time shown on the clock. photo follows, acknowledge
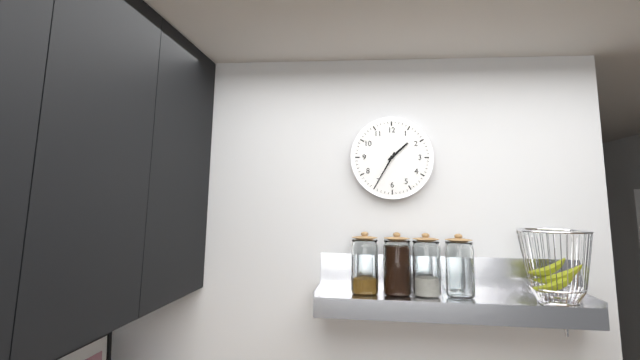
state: 1:35
